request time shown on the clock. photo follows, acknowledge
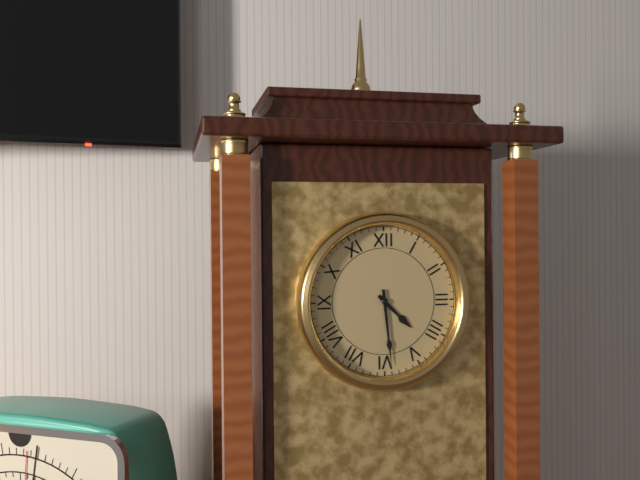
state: 4:29
